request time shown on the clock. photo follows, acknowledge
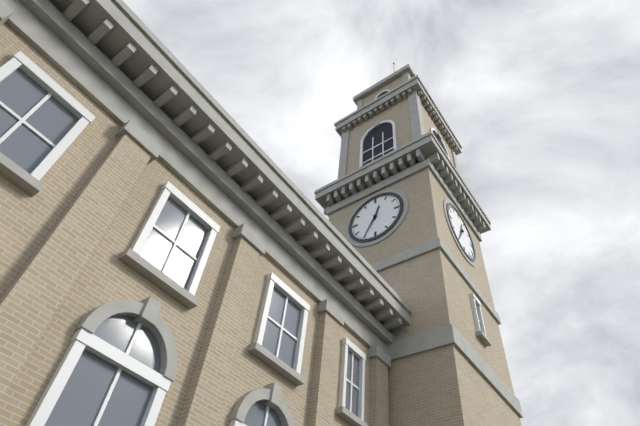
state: 12:35
